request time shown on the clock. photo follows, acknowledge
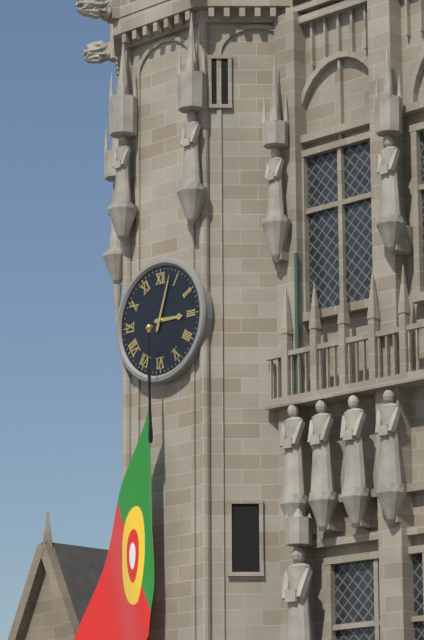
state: 3:03
